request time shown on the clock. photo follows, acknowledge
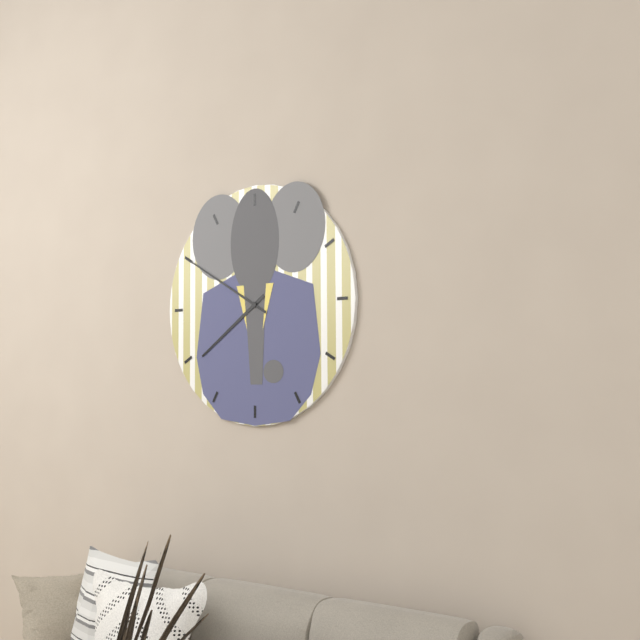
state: 7:50
